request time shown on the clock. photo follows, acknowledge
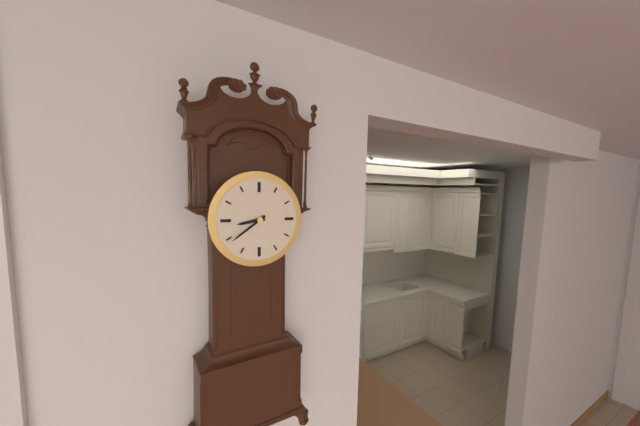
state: 8:39
